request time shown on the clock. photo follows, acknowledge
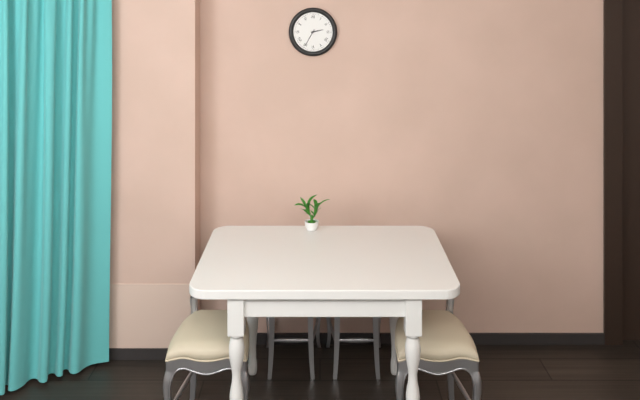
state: 2:35
